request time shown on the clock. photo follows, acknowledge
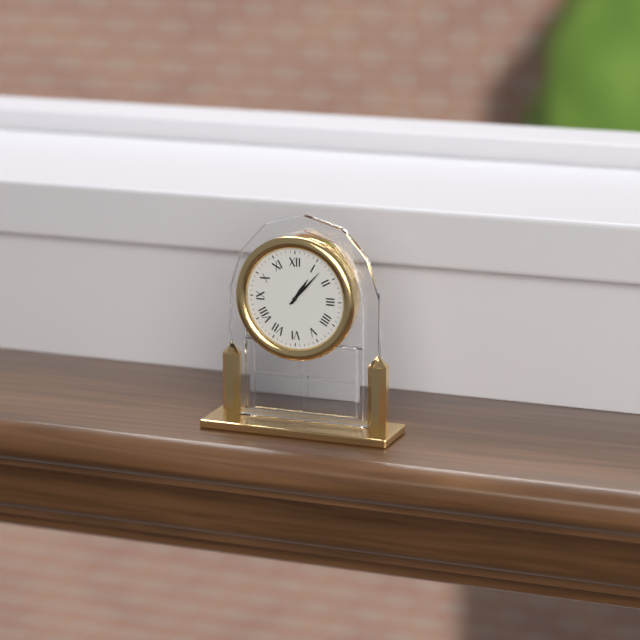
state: 1:07
